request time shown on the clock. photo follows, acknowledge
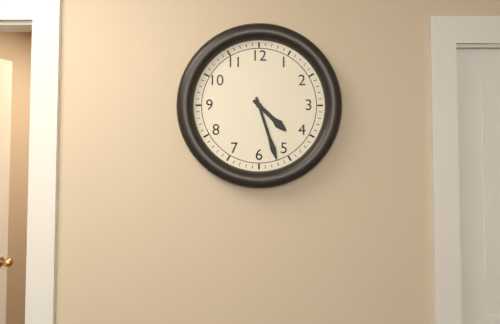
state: 4:27
